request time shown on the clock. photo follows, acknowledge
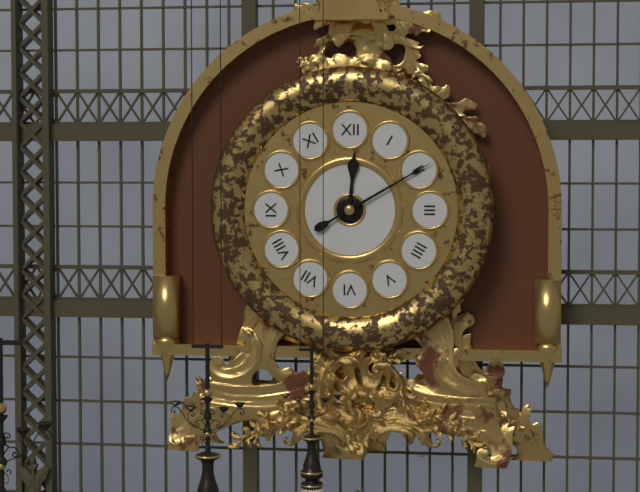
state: 12:10
